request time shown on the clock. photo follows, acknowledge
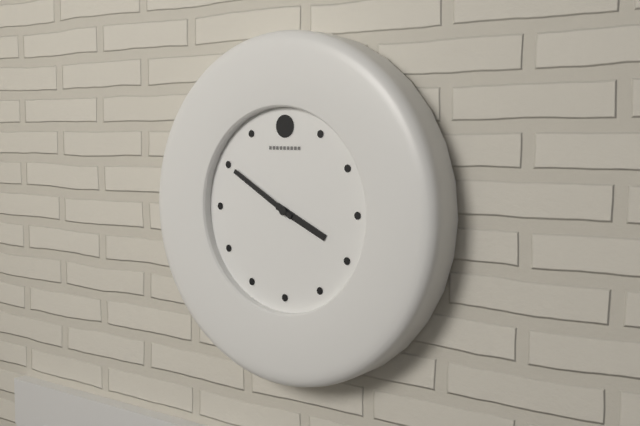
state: 3:50
